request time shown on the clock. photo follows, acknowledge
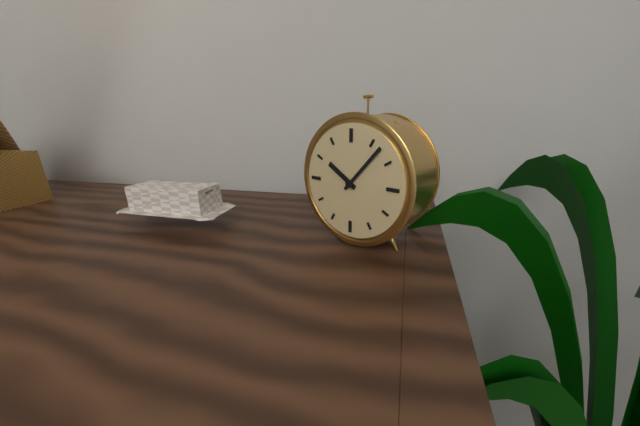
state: 10:07
